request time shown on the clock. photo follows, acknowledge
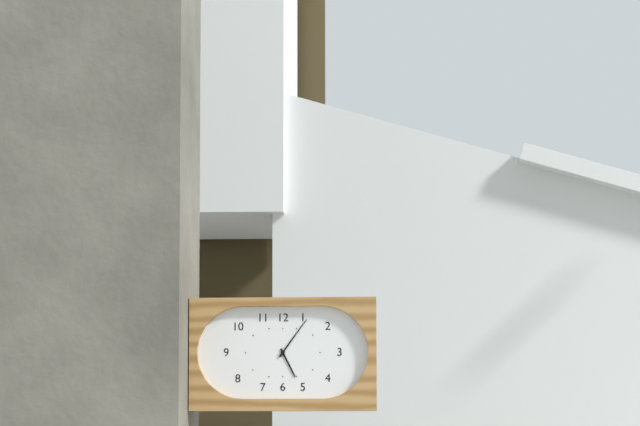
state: 5:06
